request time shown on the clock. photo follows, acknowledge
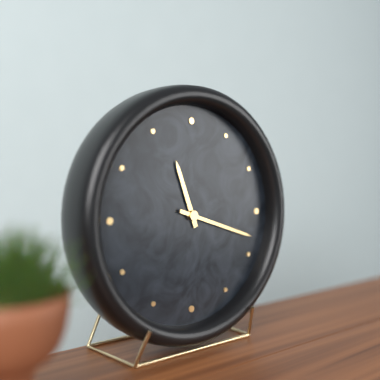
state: 11:18
